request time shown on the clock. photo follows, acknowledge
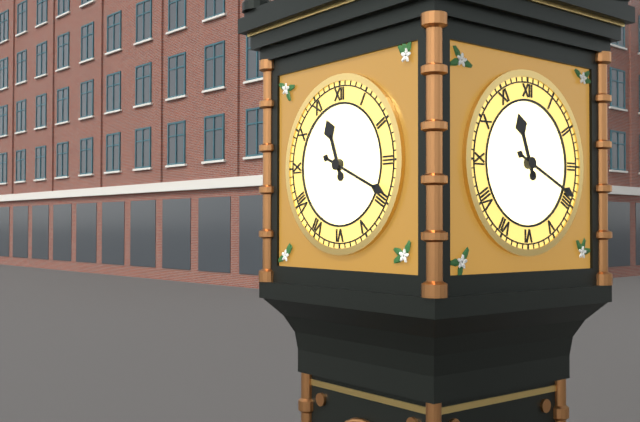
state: 11:19
